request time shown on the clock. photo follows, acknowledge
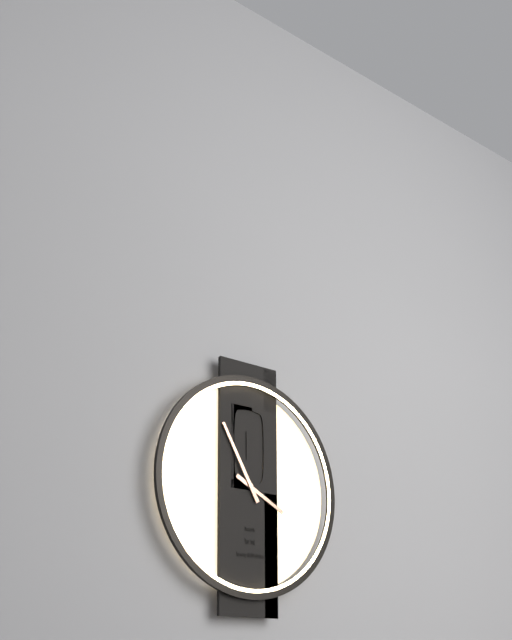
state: 3:55
